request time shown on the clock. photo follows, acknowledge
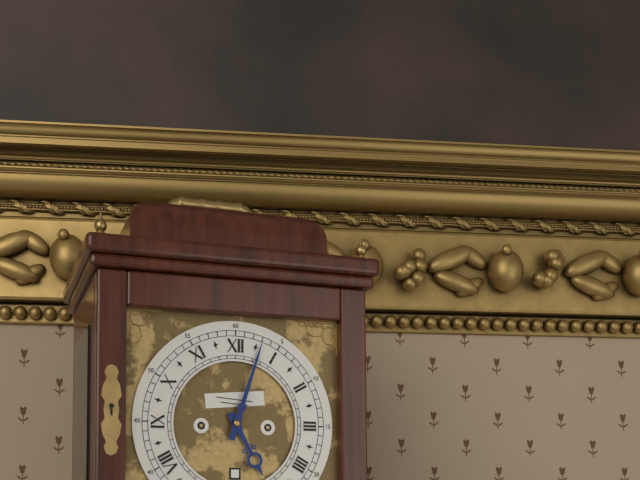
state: 5:03
